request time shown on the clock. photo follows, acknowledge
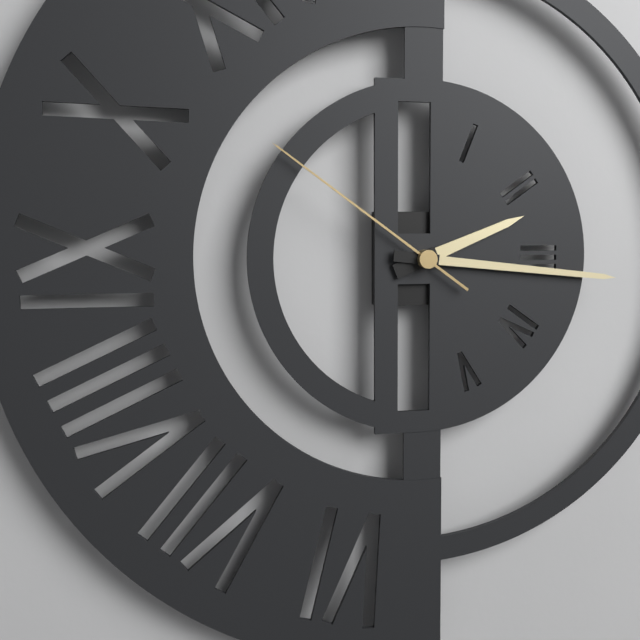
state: 2:16:51
